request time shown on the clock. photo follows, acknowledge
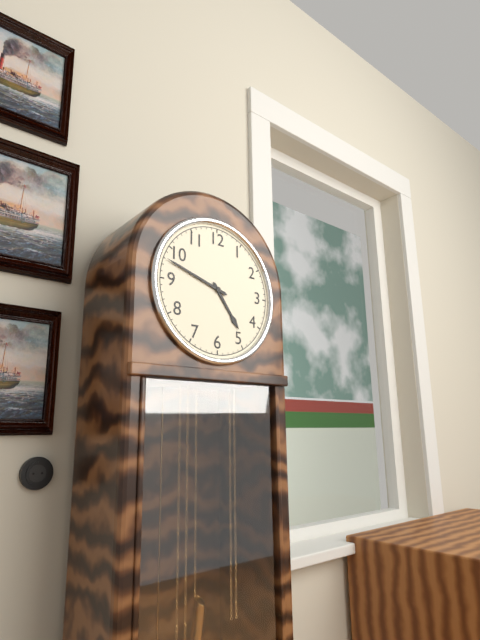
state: 4:48
